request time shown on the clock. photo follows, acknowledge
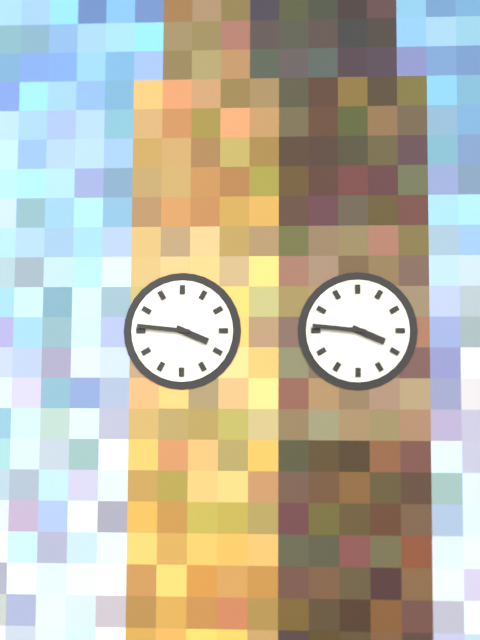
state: 3:46
